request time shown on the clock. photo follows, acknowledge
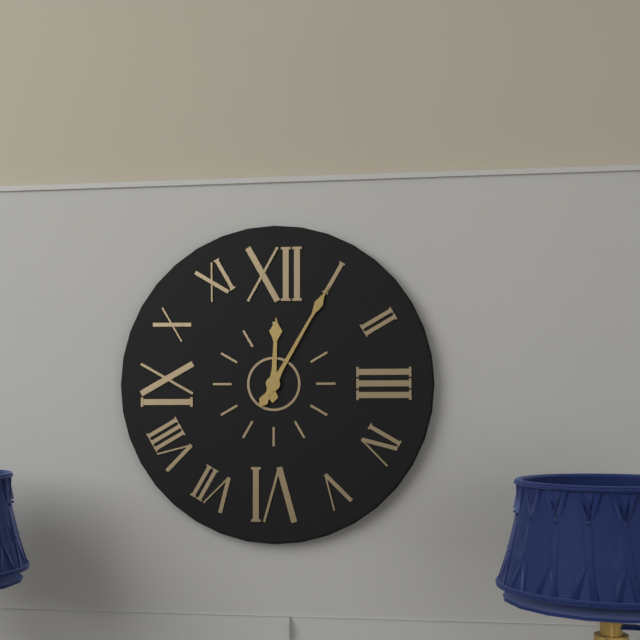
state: 12:05
